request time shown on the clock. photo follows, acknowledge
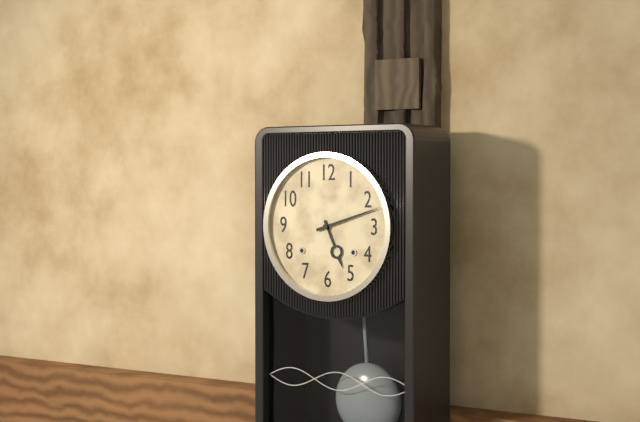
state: 5:12
